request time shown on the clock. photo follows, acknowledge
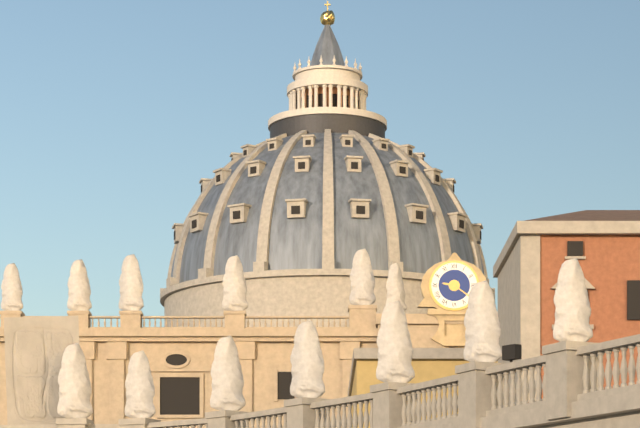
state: 9:21
